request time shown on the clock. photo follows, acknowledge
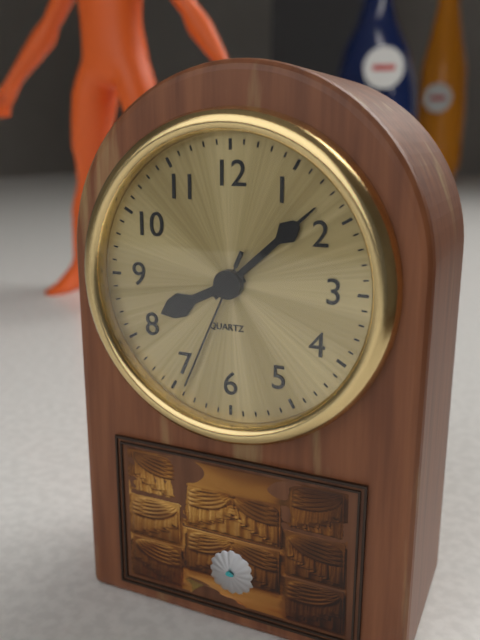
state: 8:08:34
